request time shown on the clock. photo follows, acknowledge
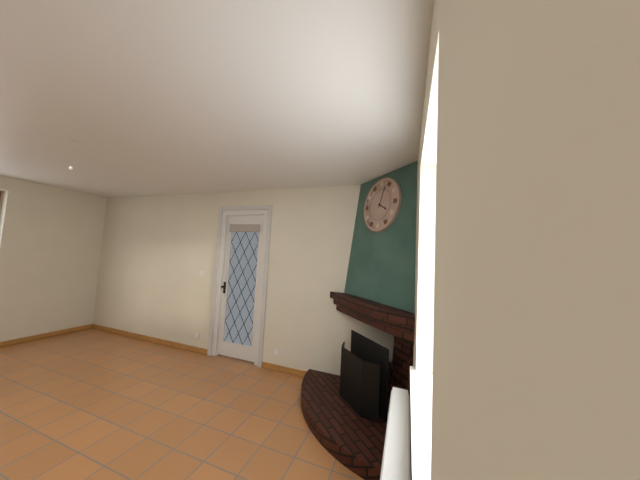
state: 4:03
